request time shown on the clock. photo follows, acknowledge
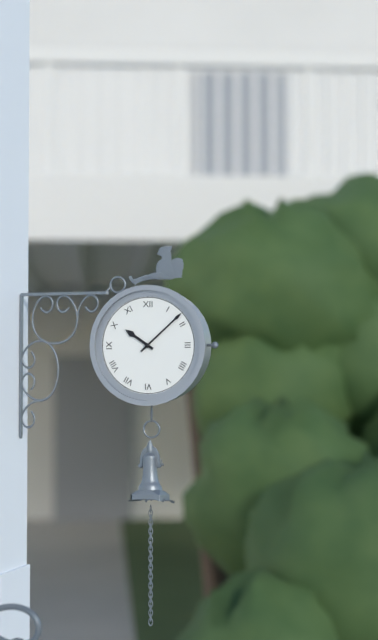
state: 10:08
